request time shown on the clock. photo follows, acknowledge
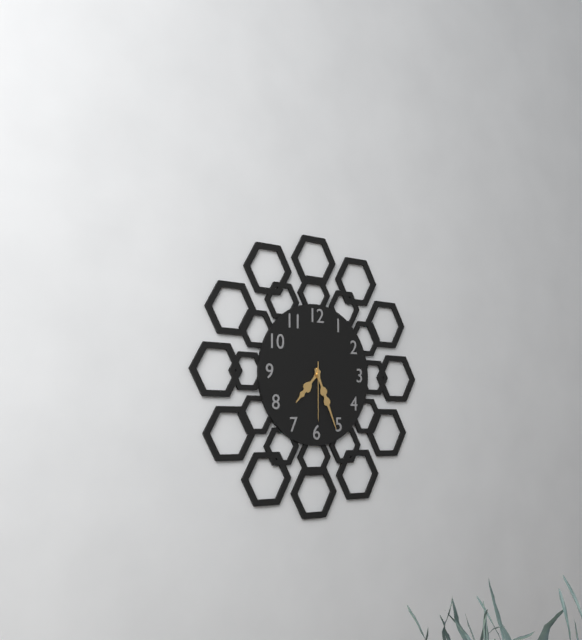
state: 7:26:30
